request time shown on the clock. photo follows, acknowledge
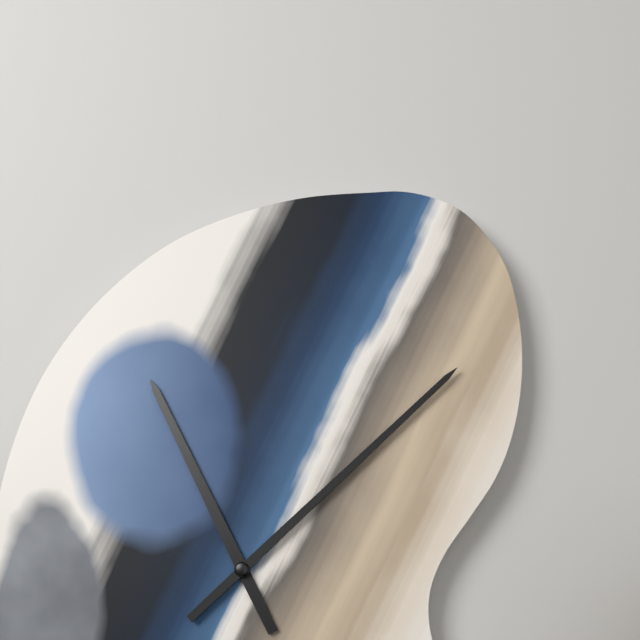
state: 11:08
